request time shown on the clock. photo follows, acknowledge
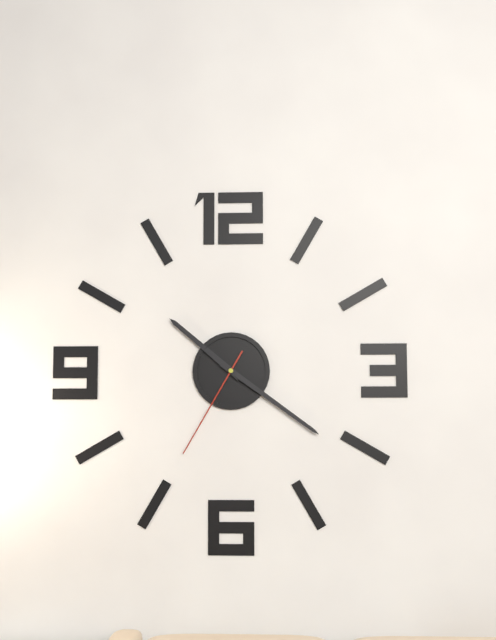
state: 10:21:35
